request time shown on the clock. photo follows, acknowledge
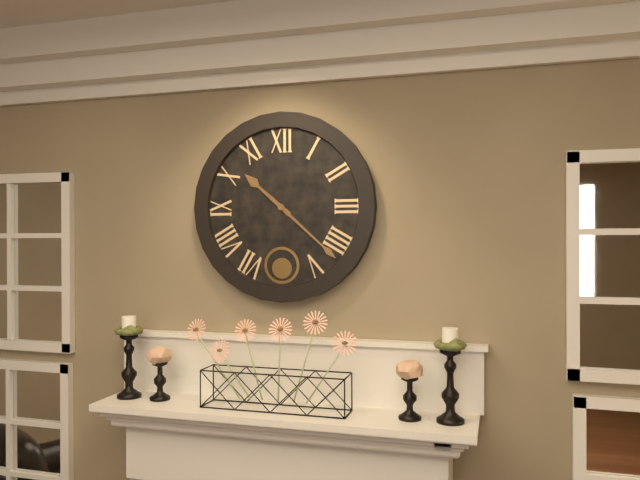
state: 10:22
